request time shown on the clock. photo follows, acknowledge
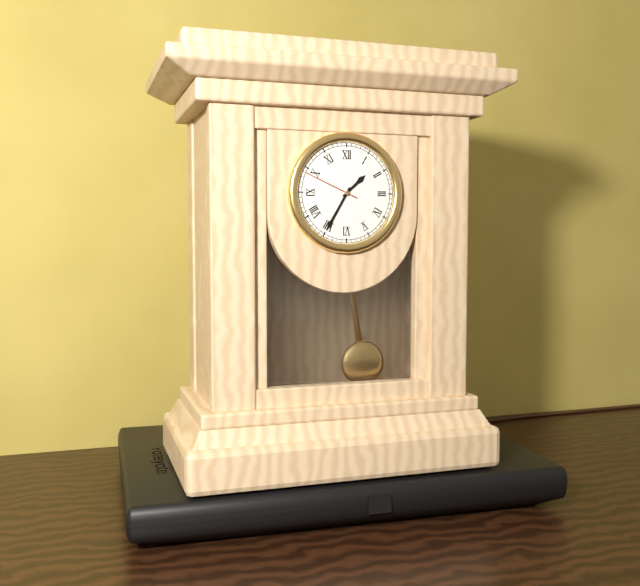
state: 1:35:49
